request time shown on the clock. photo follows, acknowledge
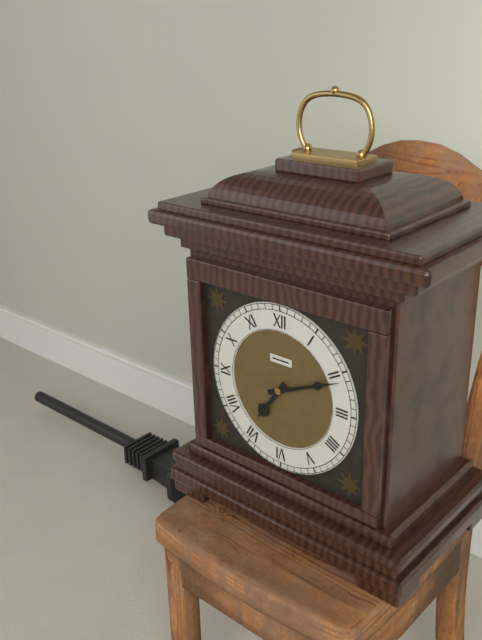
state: 7:11
